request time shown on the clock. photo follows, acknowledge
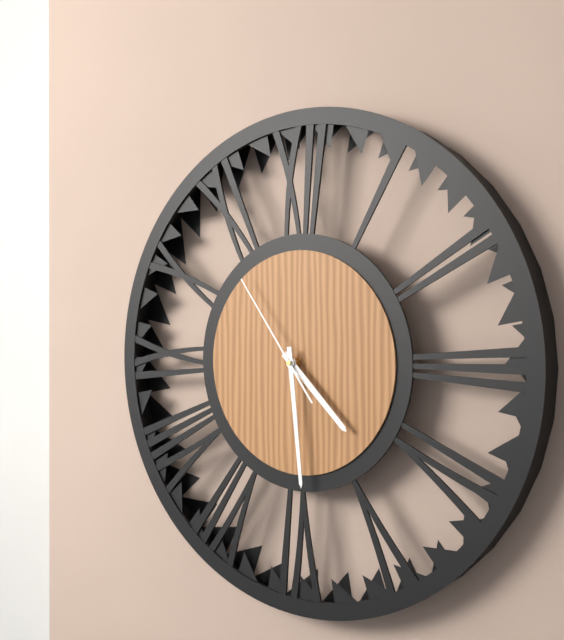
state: 4:29:54
